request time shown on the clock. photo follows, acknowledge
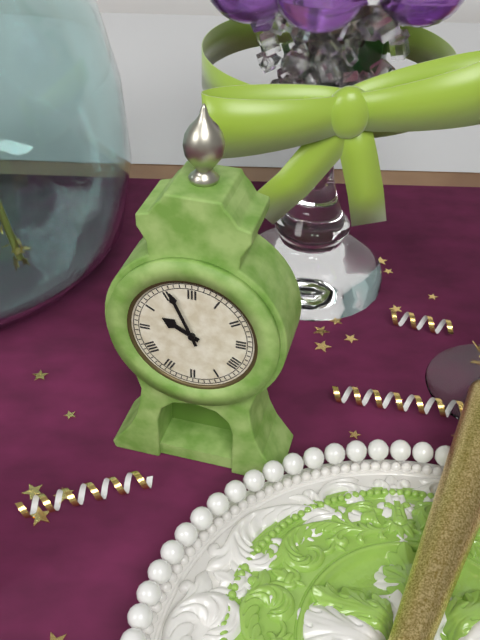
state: 9:56
